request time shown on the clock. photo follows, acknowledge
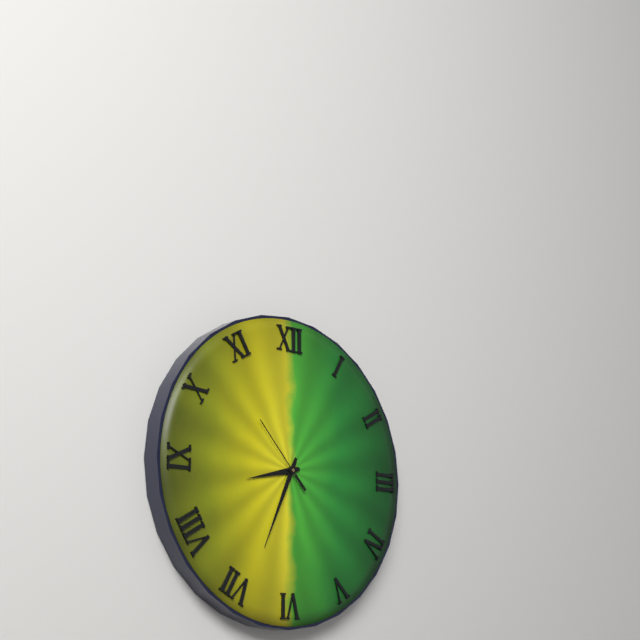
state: 8:34:53
